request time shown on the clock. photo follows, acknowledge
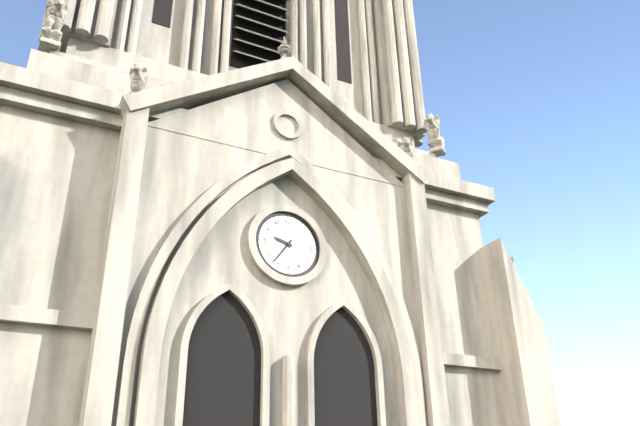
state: 9:36
